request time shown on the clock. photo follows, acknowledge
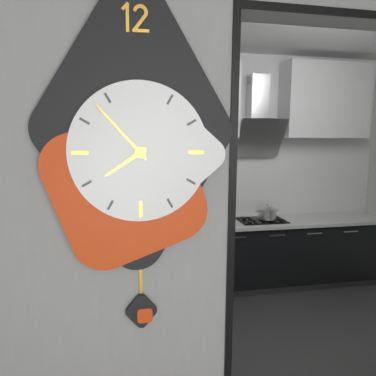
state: 7:53
